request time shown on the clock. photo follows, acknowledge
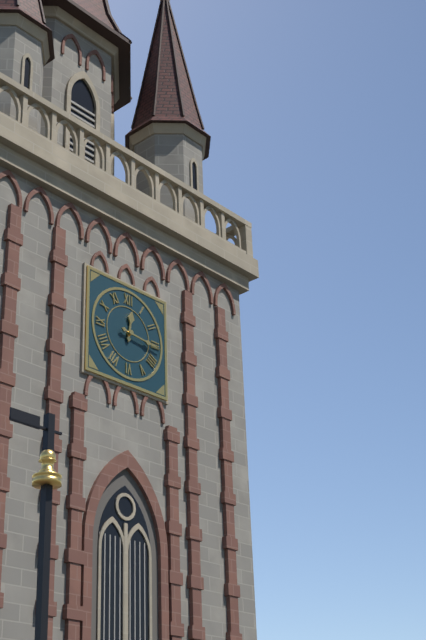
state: 12:16
